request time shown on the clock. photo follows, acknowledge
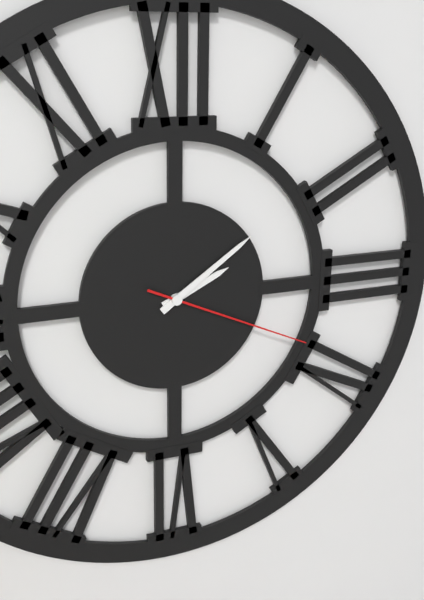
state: 2:09:19
